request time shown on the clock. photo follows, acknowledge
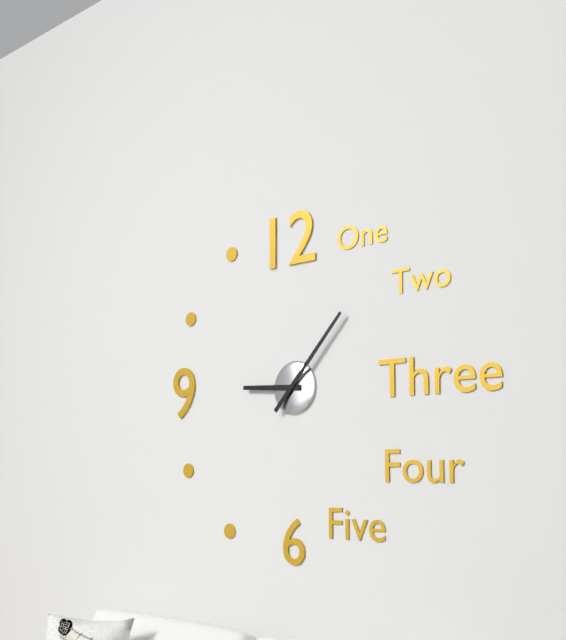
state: 9:07
